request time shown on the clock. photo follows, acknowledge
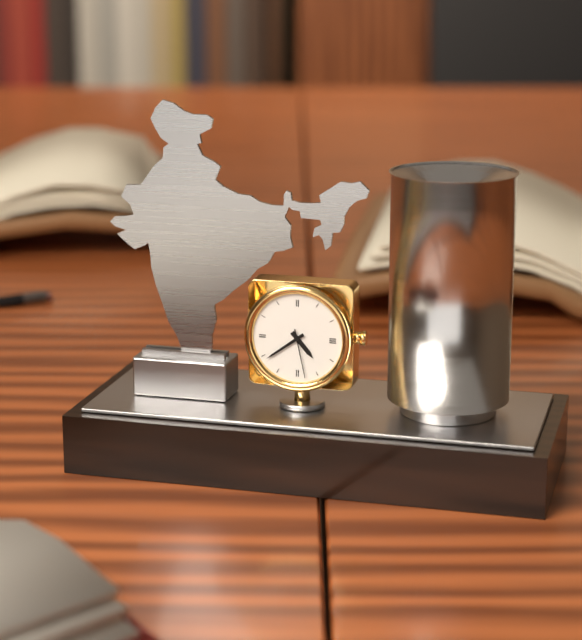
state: 4:39
